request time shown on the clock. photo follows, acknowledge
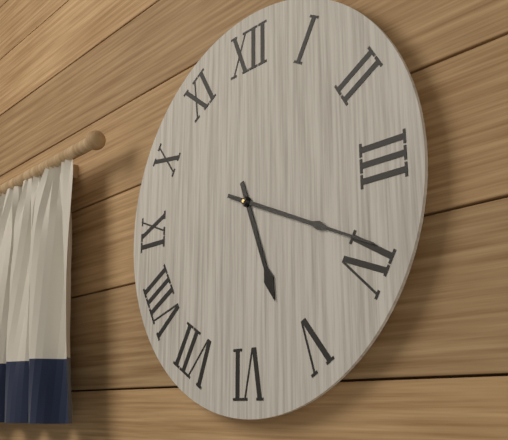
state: 5:19
